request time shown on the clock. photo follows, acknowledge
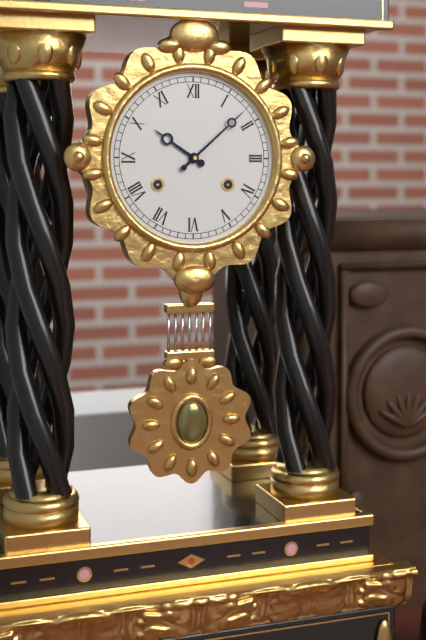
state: 10:08
